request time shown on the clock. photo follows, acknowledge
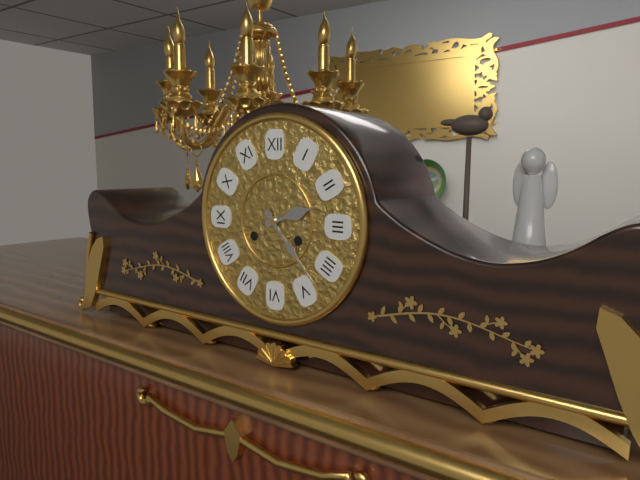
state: 2:23
